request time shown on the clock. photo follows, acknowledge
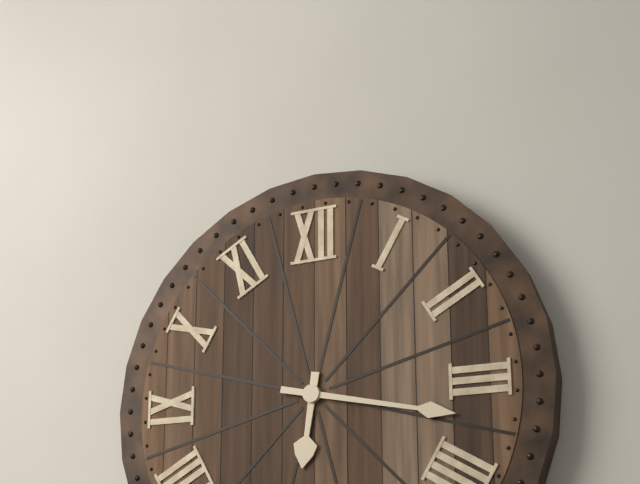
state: 6:17
